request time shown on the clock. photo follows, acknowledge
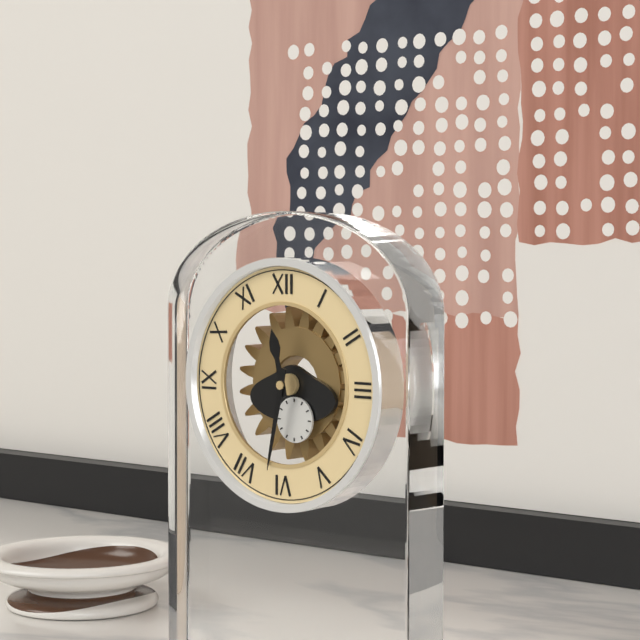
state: 11:32
